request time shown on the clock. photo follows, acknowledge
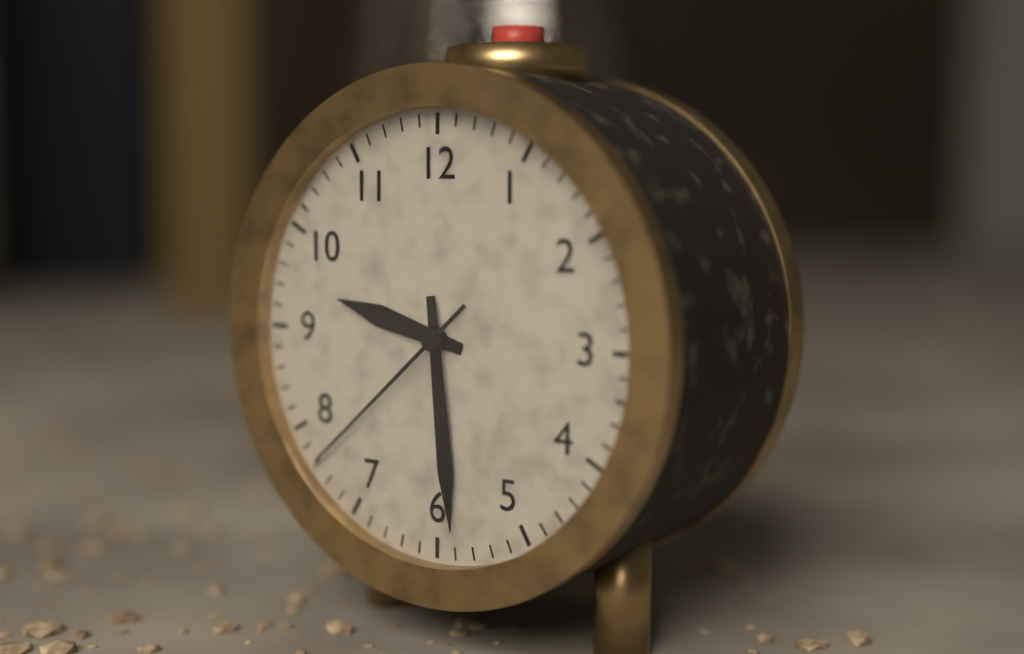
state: 9:29:38
